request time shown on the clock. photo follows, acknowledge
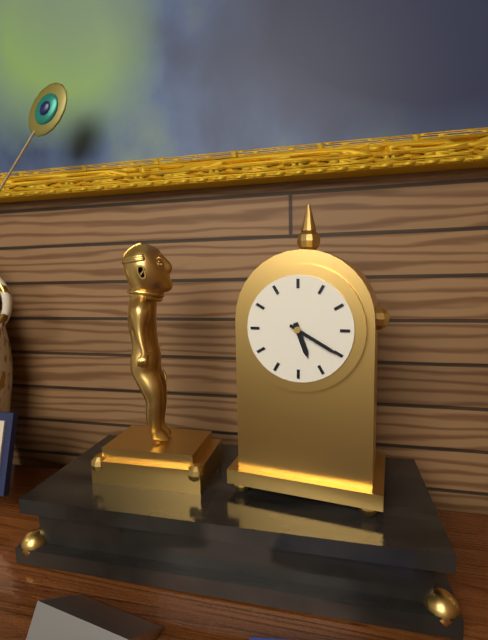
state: 5:20
